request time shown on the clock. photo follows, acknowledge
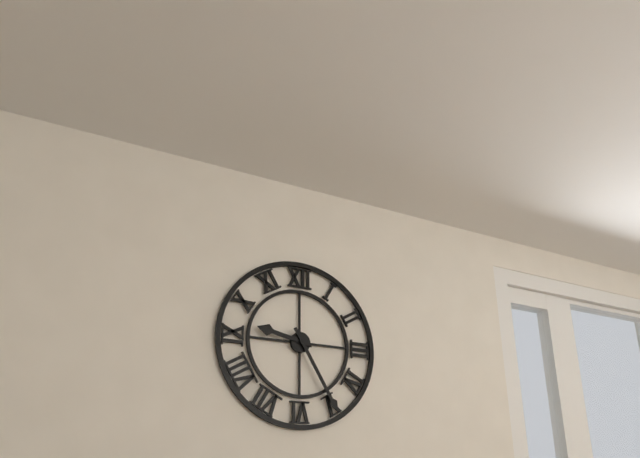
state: 9:25
